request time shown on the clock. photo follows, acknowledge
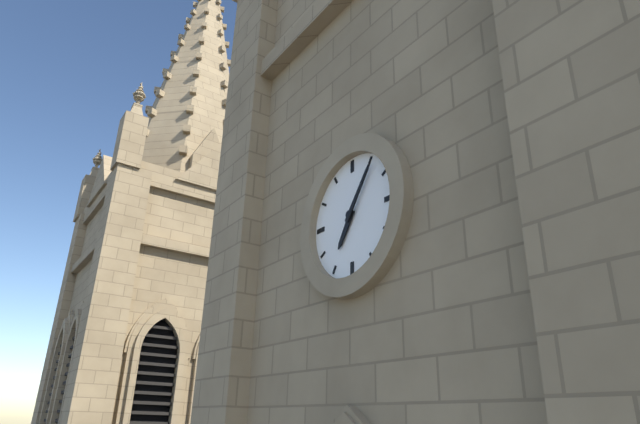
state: 7:06
